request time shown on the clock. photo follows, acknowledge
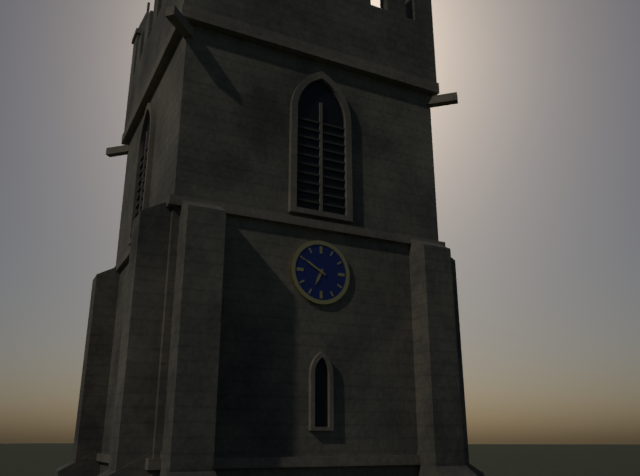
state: 6:50
